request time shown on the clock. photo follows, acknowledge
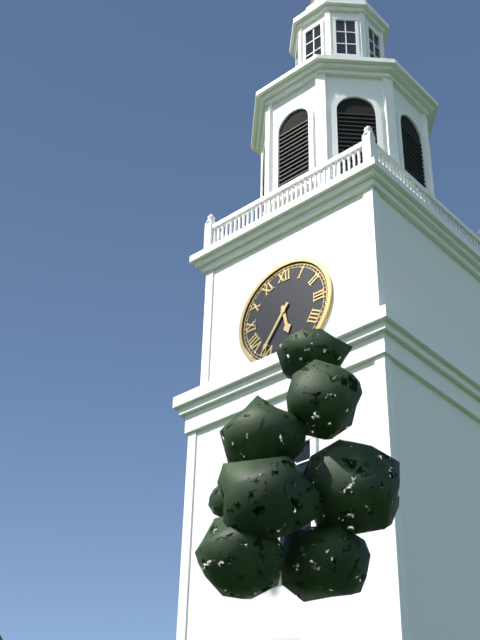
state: 5:36
